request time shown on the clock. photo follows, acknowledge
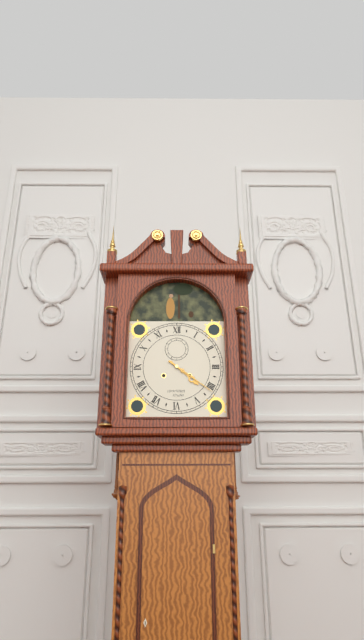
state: 4:21
